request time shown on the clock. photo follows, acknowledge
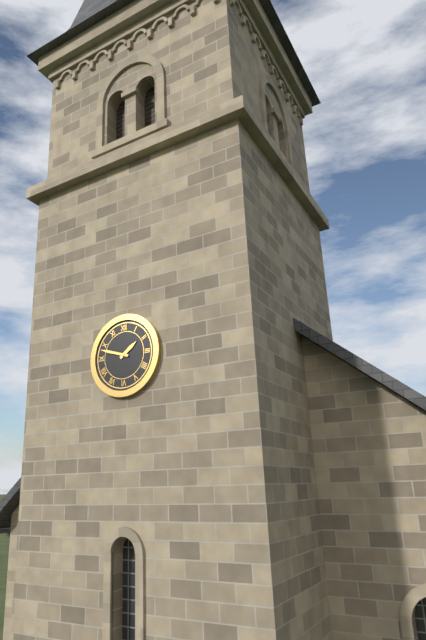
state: 1:48
